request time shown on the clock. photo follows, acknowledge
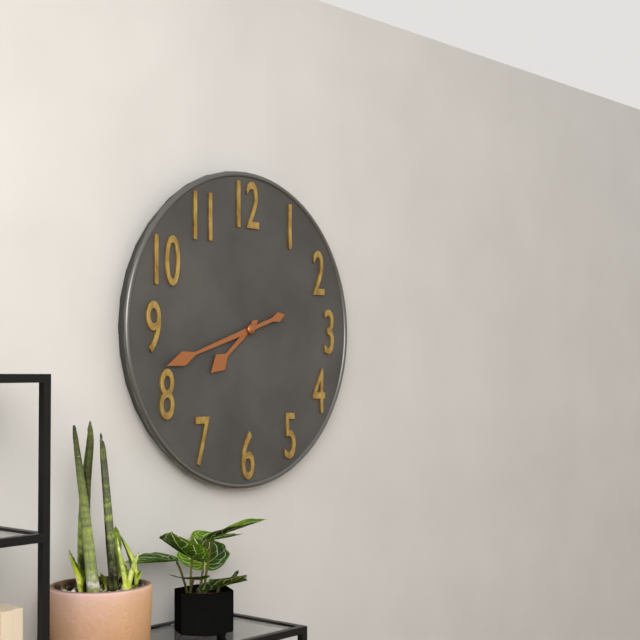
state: 7:42
